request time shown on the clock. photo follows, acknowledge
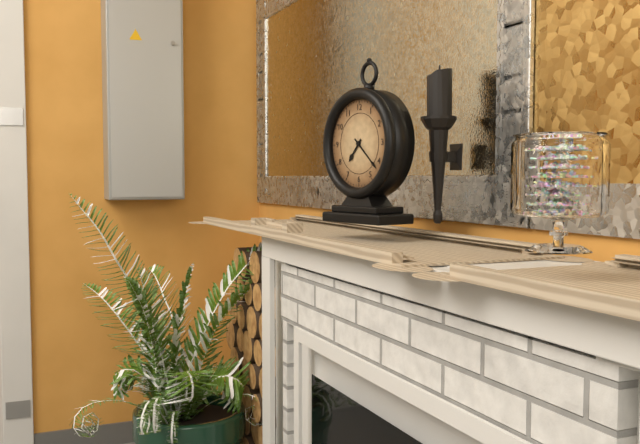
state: 7:22
